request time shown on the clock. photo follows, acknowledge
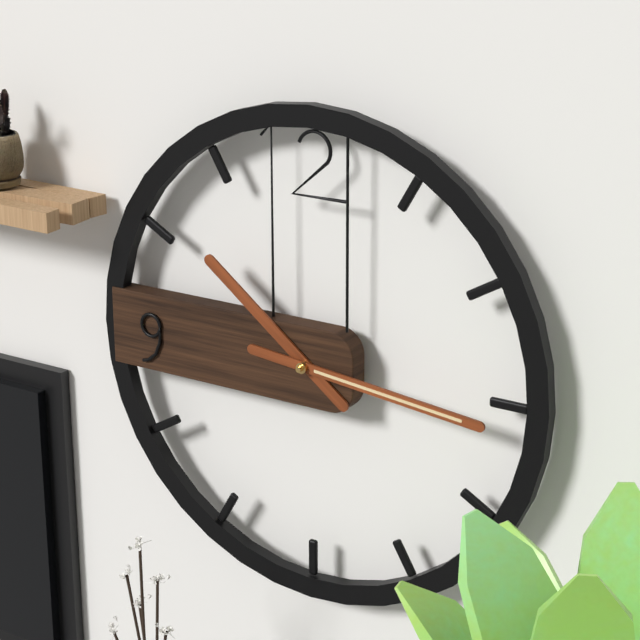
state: 10:16
